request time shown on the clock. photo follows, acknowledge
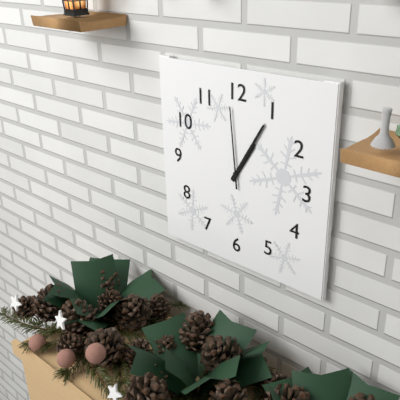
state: 1:05:59
